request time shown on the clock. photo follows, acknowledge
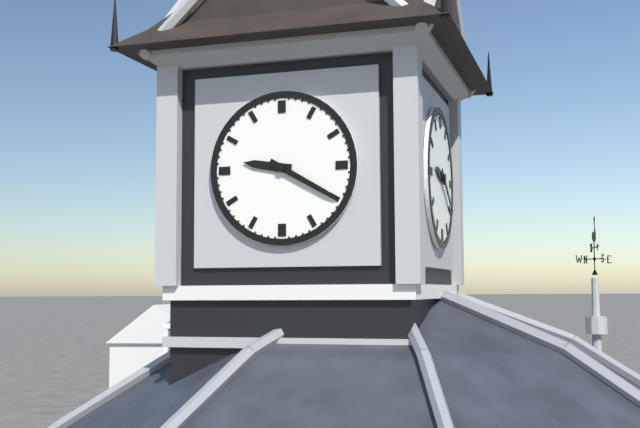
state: 9:20
